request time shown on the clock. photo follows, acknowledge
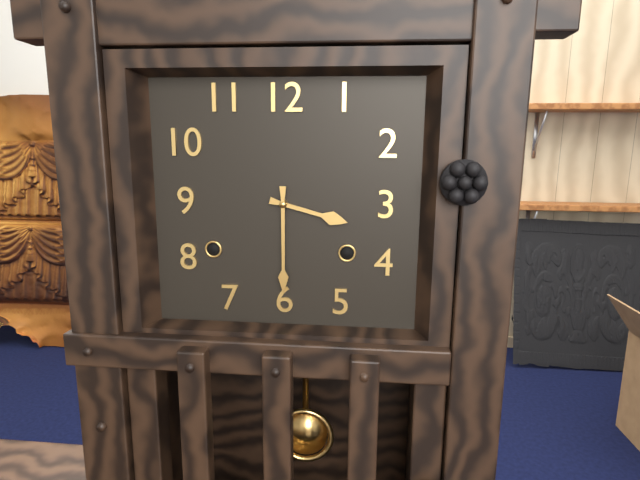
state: 3:30
